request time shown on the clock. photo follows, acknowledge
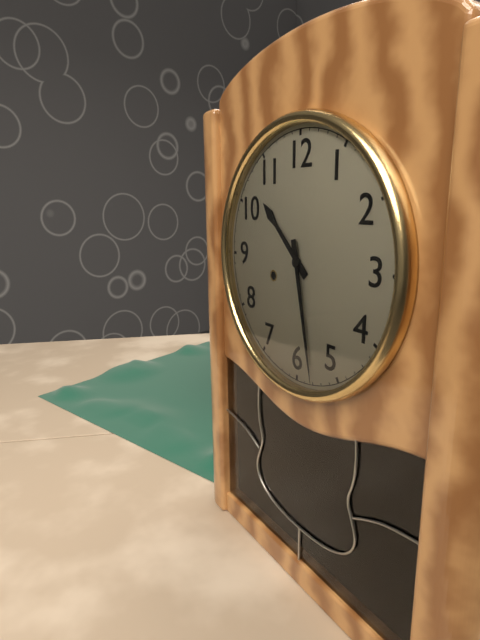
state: 10:28
